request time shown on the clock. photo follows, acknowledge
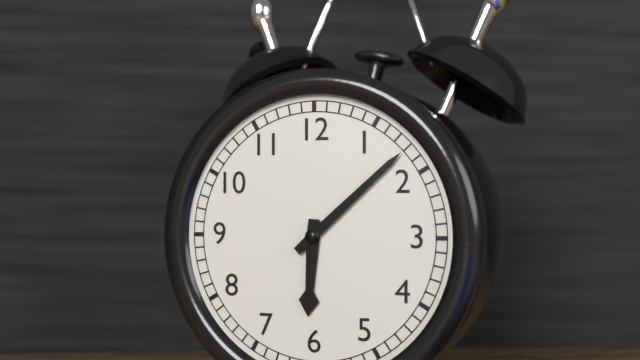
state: 6:08
